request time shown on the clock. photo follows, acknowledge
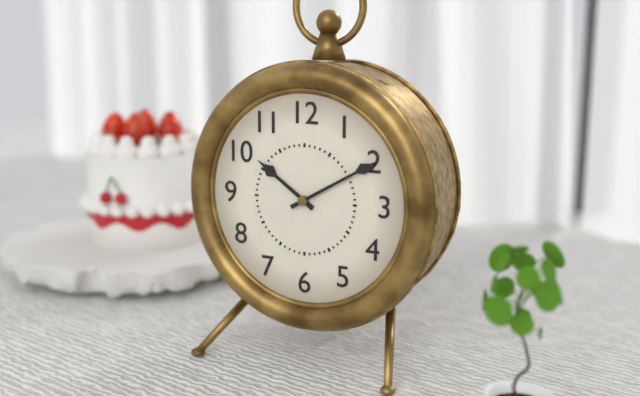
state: 10:10
